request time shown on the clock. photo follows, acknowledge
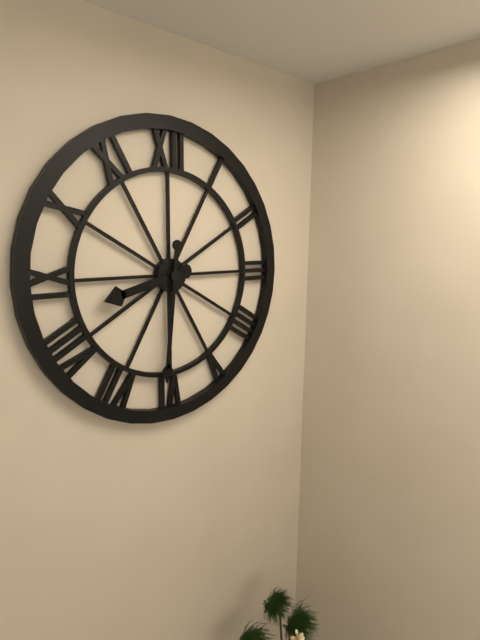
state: 8:31
